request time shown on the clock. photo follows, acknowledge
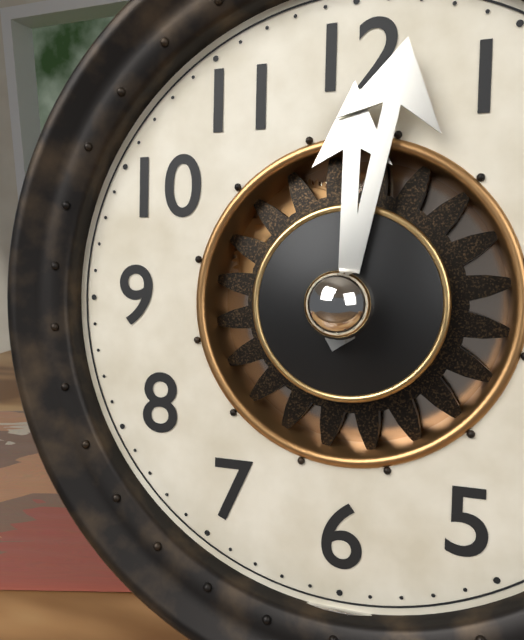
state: 12:02
